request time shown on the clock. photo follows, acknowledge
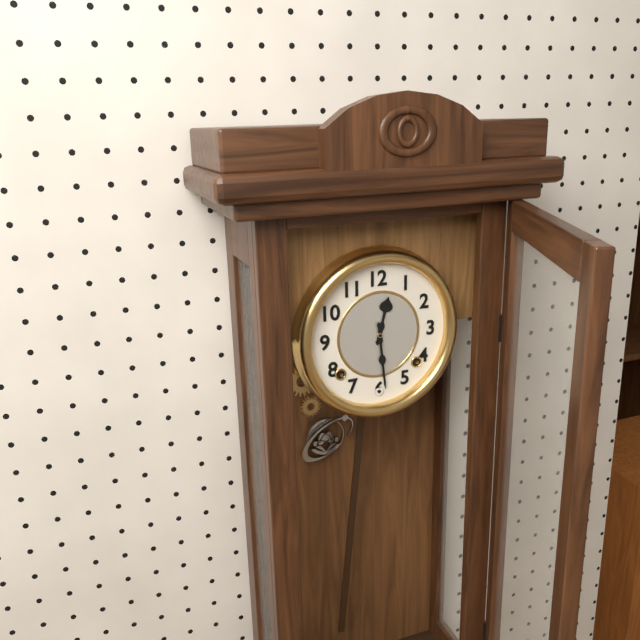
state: 12:29
